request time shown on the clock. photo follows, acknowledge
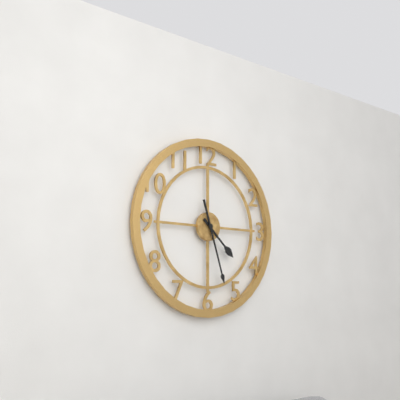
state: 4:27
